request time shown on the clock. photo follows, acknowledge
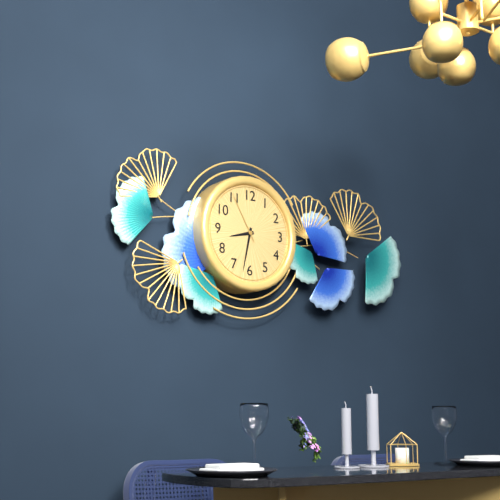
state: 8:32:55
